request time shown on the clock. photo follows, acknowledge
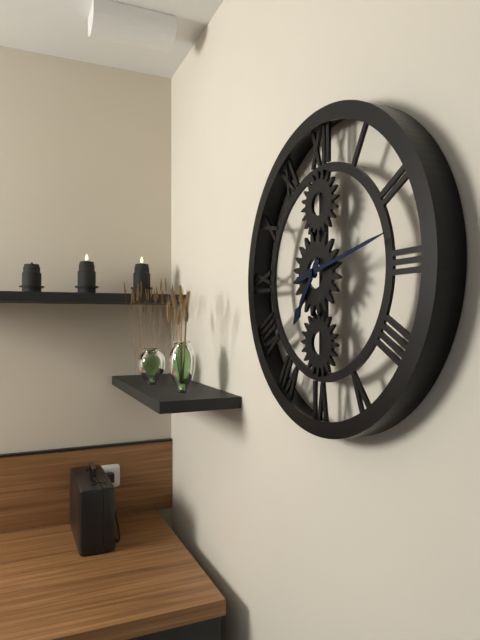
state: 7:13
